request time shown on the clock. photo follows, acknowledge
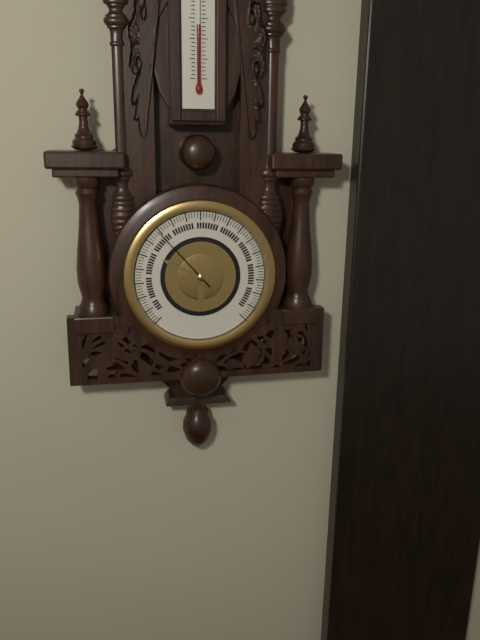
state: 9:53
